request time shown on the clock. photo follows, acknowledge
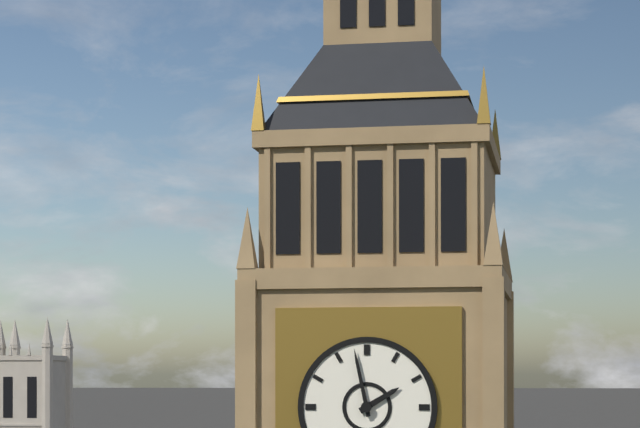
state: 1:58
